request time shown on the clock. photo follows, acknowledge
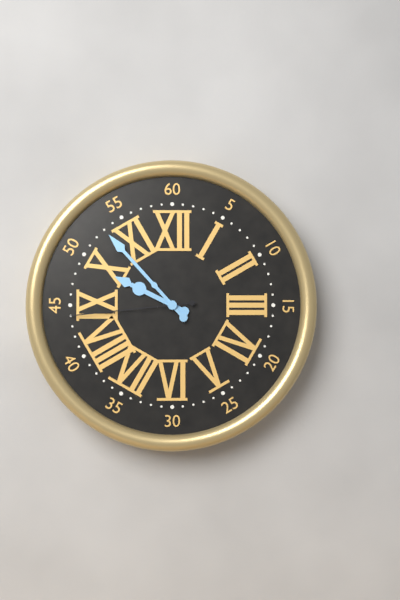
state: 9:53:44
